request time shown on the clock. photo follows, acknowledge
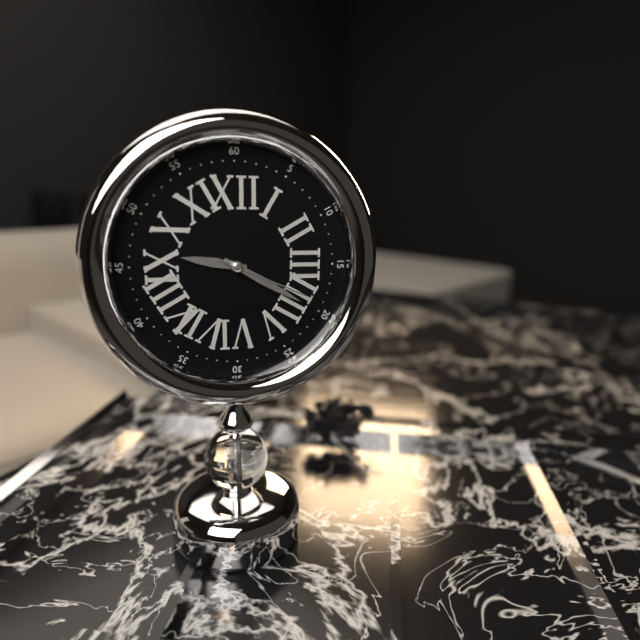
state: 9:20:19
